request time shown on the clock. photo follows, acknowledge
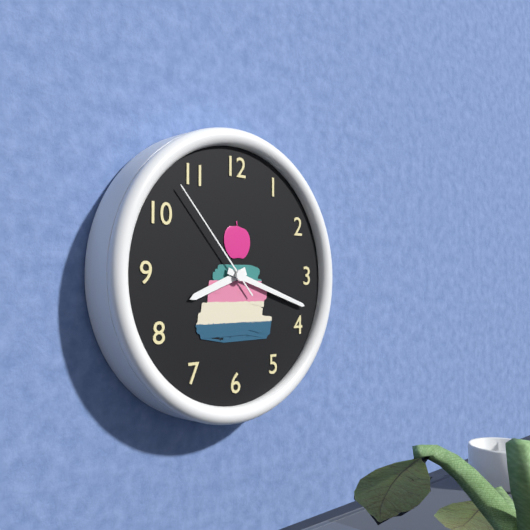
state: 8:18:53
